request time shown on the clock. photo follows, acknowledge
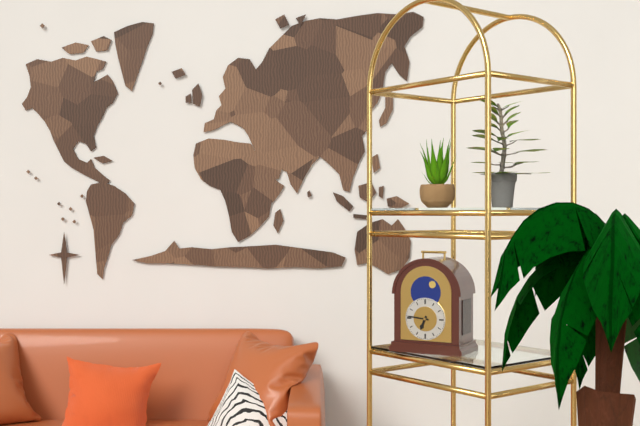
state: 6:46
